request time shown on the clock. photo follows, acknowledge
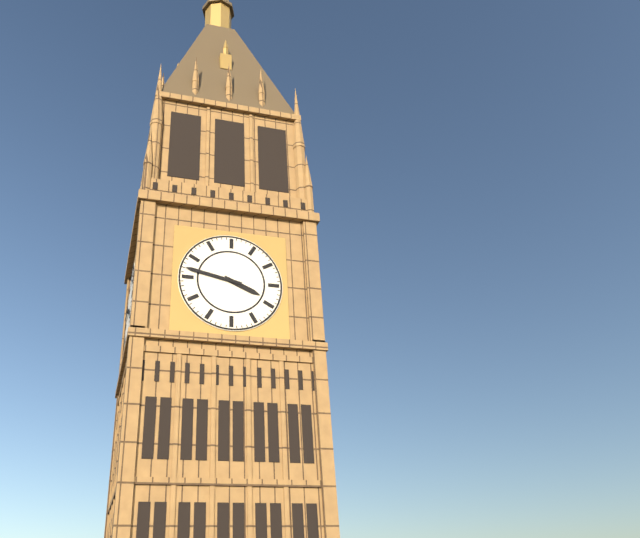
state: 3:47
